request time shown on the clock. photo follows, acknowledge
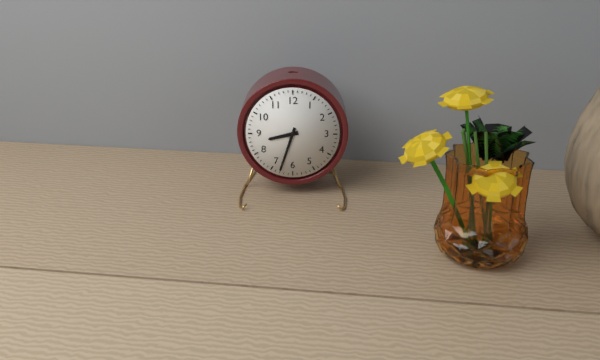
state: 8:33
